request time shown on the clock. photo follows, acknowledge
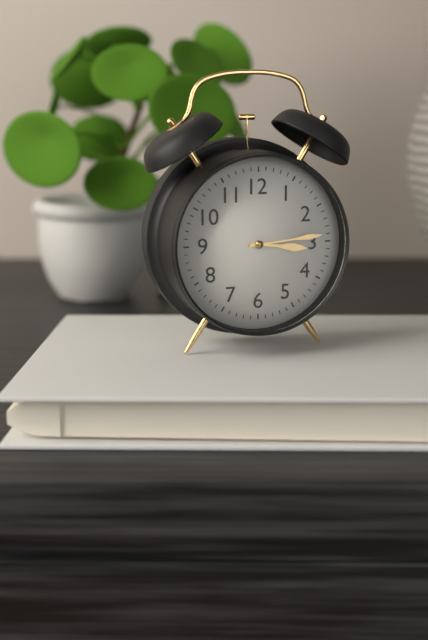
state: 3:14
